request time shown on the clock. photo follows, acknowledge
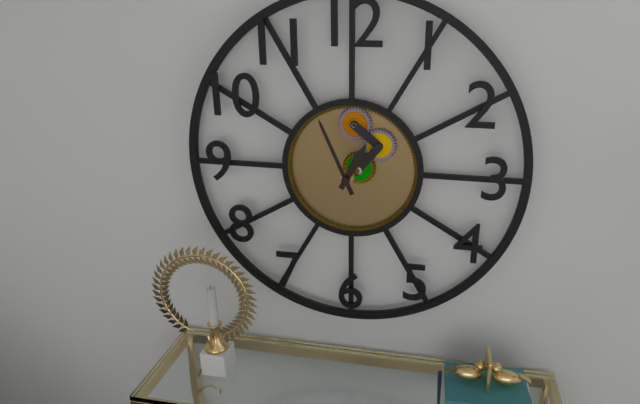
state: 12:56
